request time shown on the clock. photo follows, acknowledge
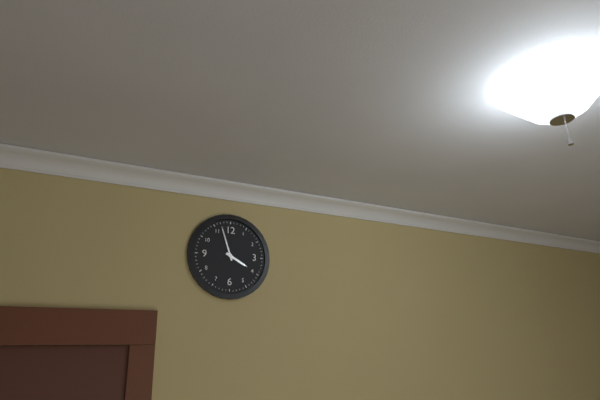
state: 3:57
